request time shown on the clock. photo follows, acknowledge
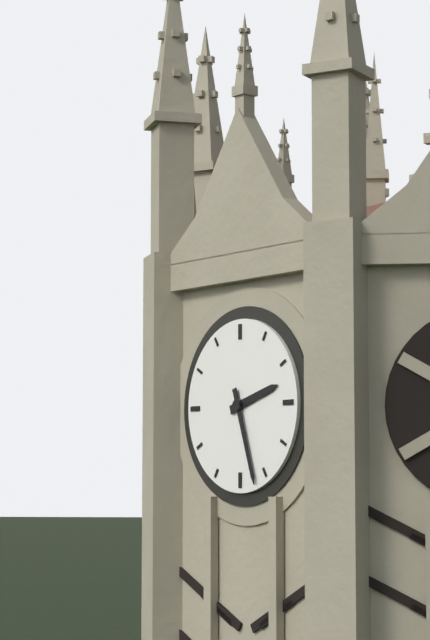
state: 2:27
